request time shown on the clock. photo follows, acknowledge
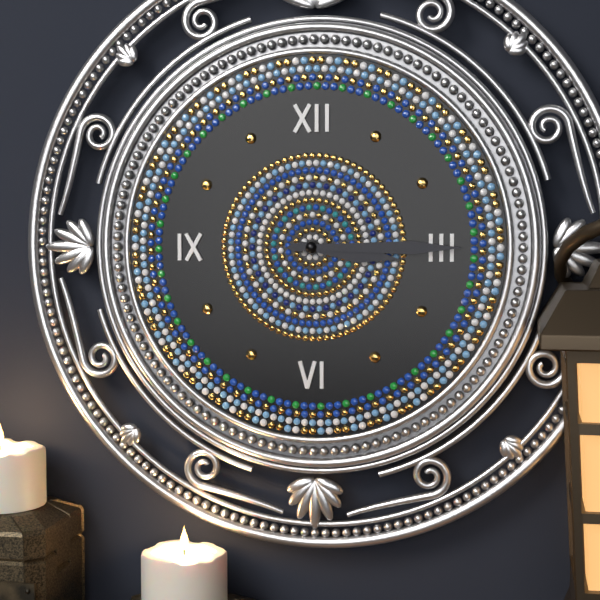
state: 3:15
